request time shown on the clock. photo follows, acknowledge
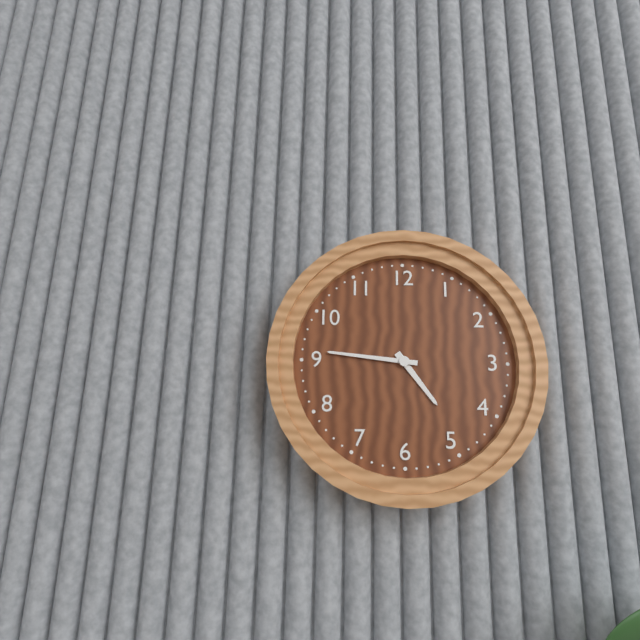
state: 4:46
